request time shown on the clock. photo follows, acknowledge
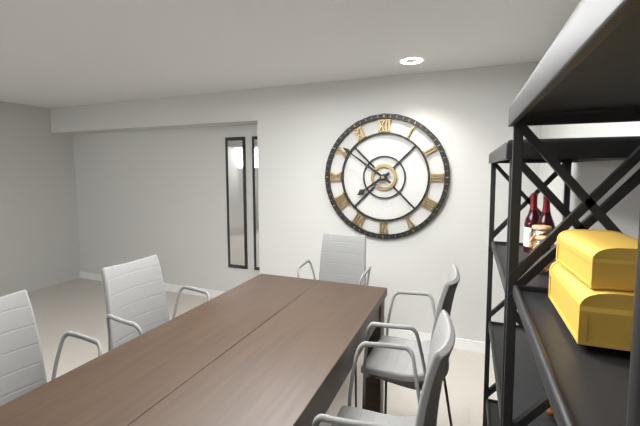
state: 7:51
